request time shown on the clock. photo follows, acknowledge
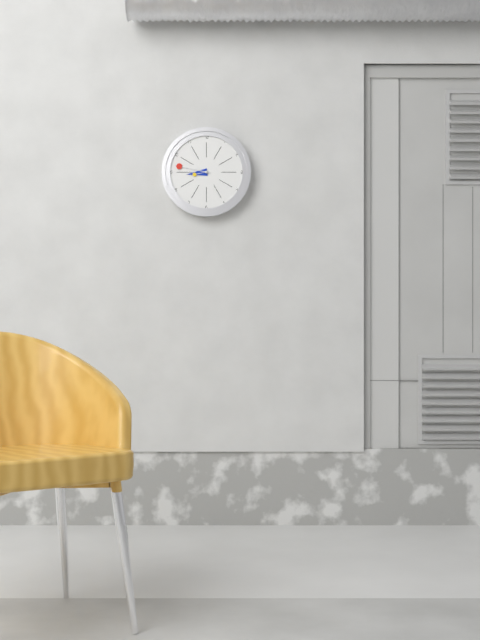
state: 8:47
